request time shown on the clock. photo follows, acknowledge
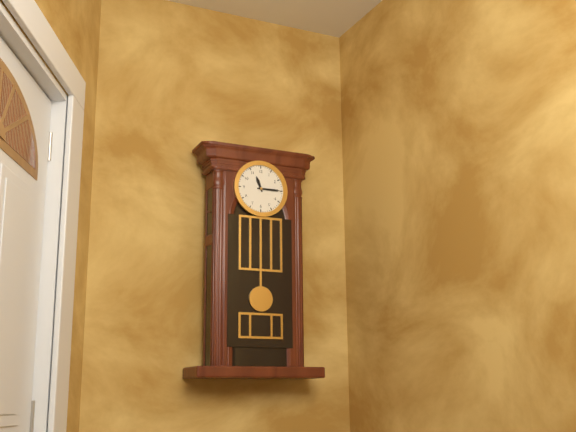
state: 11:15
